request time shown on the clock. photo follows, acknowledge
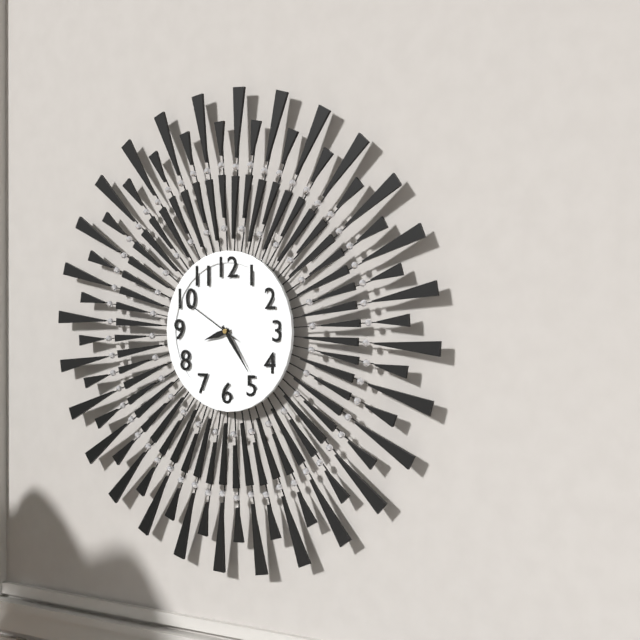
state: 8:24:50
